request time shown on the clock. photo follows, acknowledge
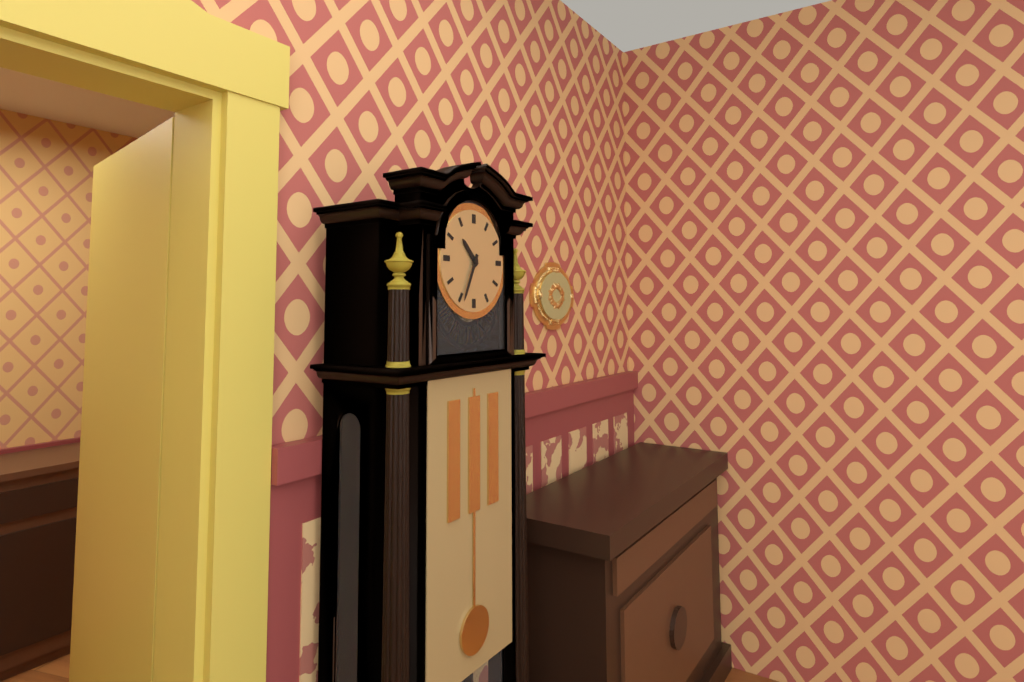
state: 10:34
